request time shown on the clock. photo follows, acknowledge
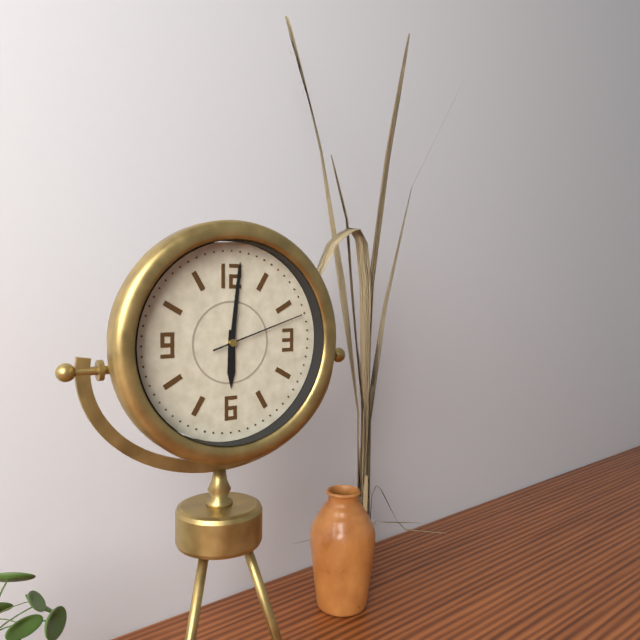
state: 6:01:12
